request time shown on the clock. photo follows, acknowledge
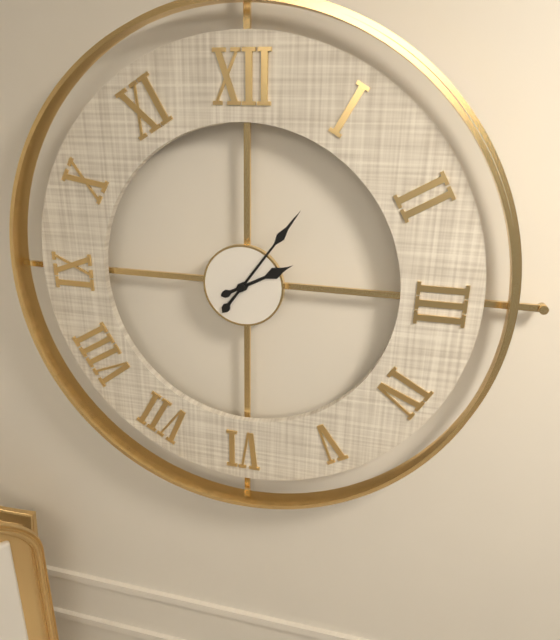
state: 2:06
